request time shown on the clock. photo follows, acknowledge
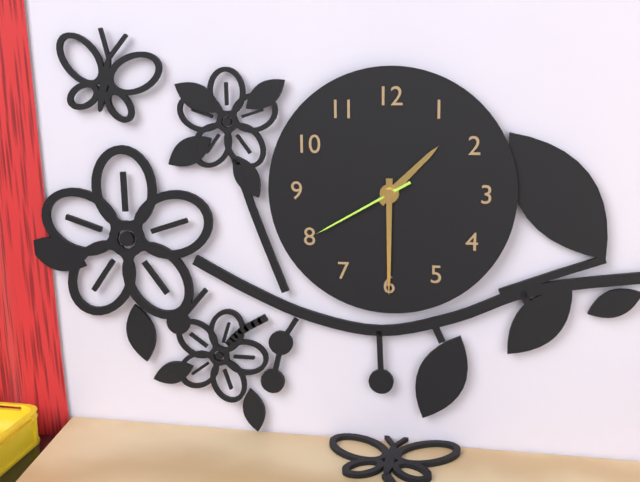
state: 1:30:40
